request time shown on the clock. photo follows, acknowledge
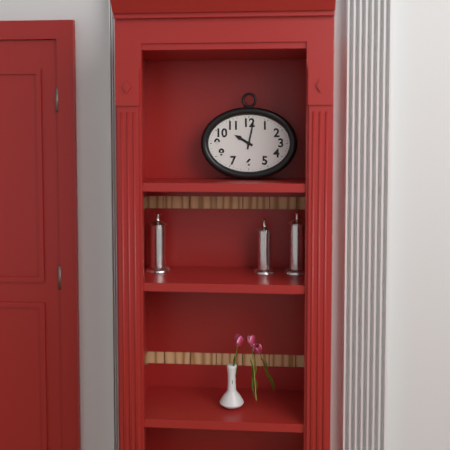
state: 10:02
